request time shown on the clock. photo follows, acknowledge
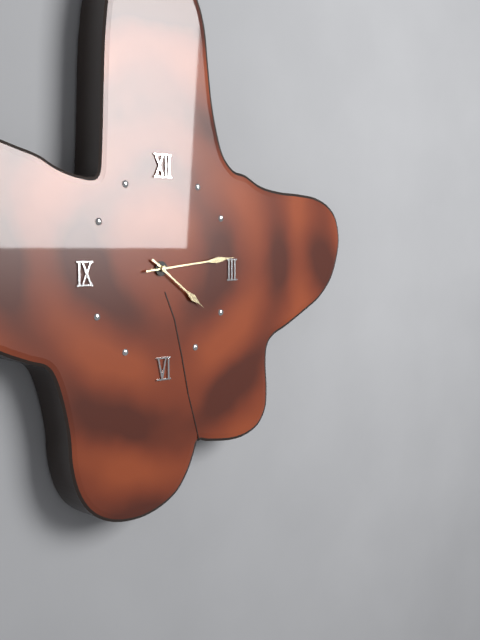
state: 4:14
